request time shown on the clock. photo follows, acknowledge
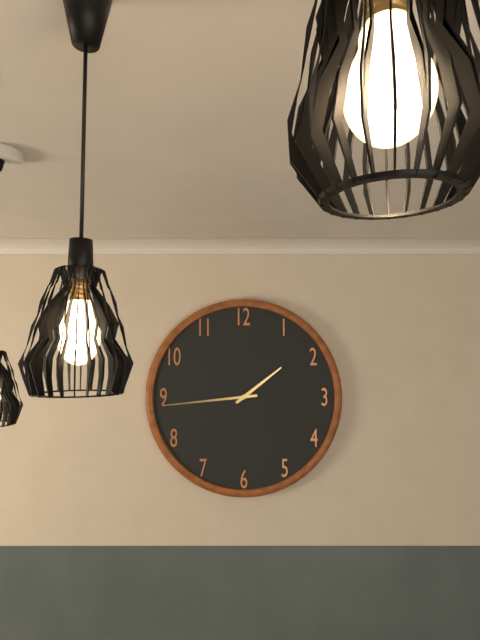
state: 1:44
